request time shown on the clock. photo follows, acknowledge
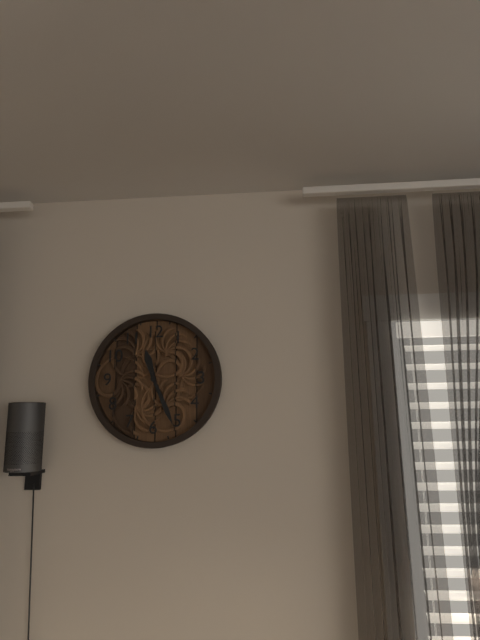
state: 11:26
